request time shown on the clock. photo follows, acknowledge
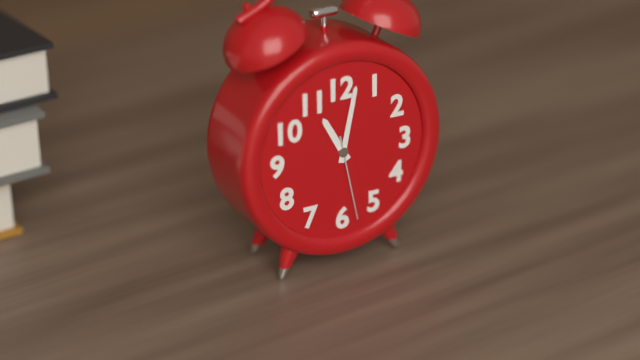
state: 11:02:28
